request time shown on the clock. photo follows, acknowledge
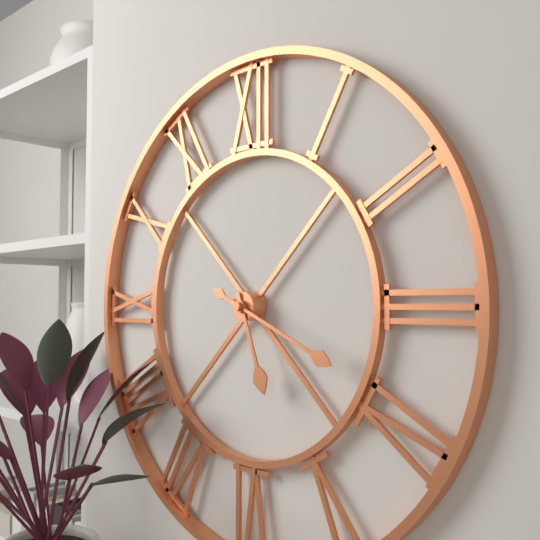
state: 5:19
